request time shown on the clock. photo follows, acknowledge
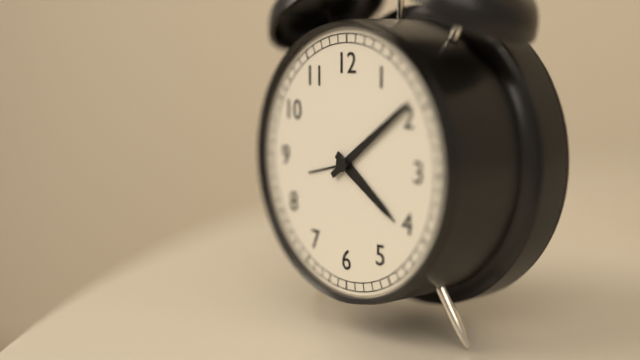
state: 4:09
